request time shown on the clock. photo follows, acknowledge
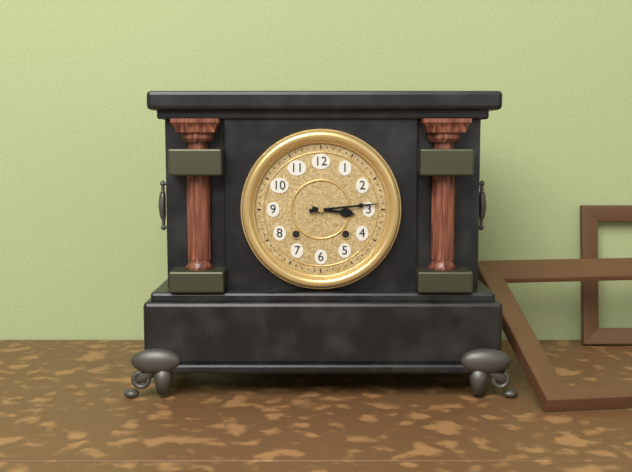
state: 3:14
